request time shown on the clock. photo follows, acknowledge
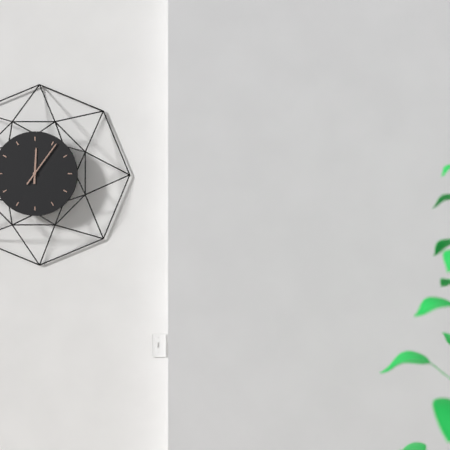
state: 12:06
